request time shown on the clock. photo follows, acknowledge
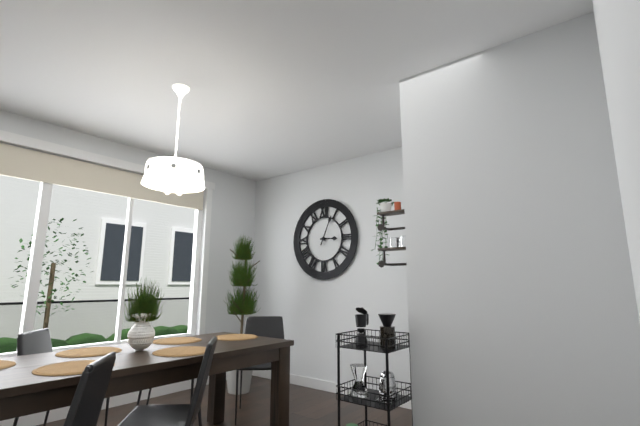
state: 3:04
